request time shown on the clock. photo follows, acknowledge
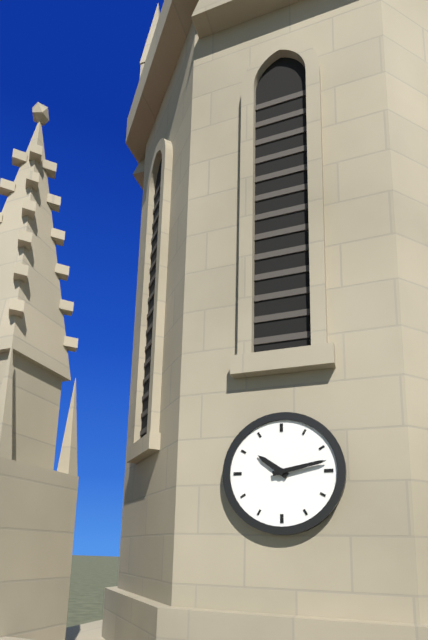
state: 10:13
